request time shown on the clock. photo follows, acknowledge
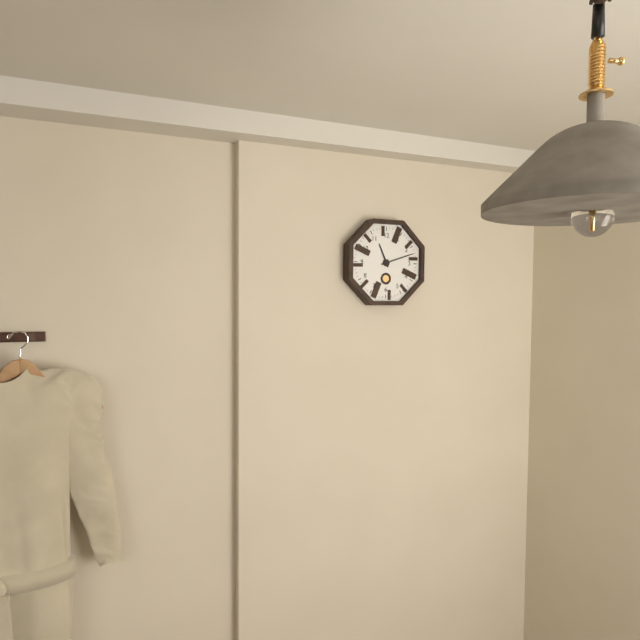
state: 11:12
